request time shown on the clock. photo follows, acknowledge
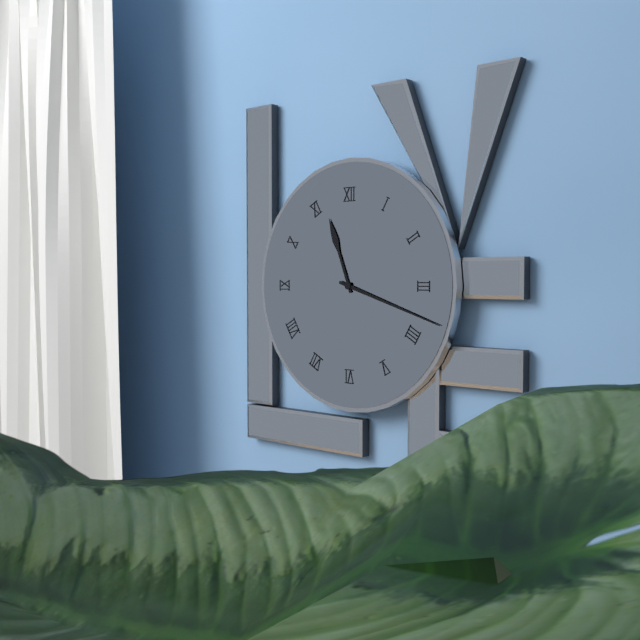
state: 11:18
